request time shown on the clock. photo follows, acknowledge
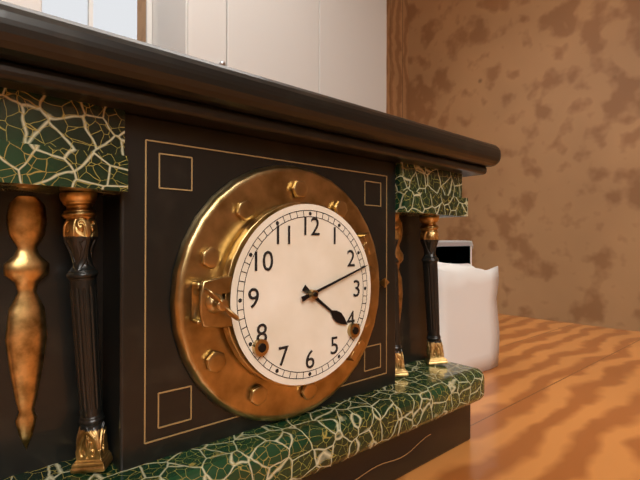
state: 4:12
